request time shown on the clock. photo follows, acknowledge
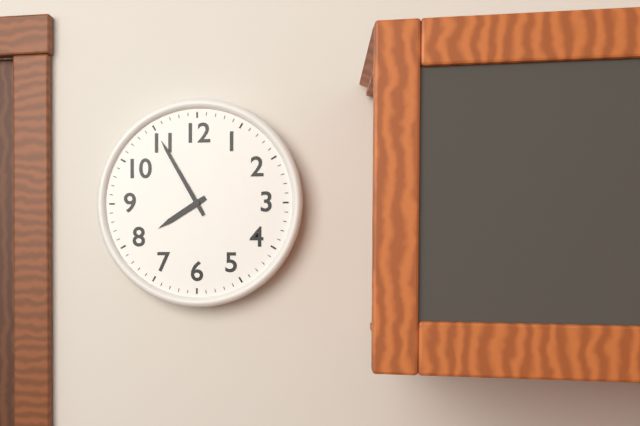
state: 7:55
